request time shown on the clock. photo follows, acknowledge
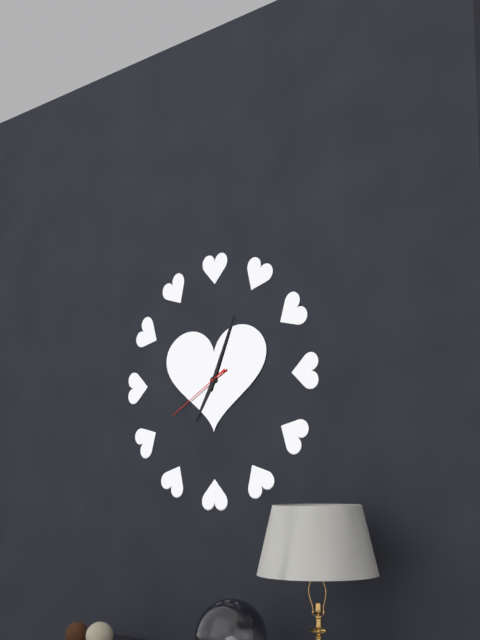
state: 7:04:40
